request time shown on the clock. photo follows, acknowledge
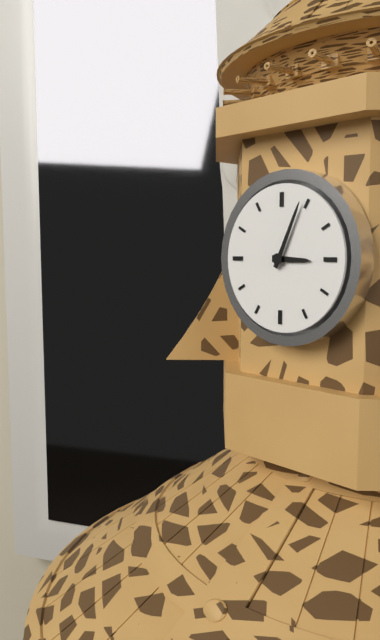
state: 3:04
